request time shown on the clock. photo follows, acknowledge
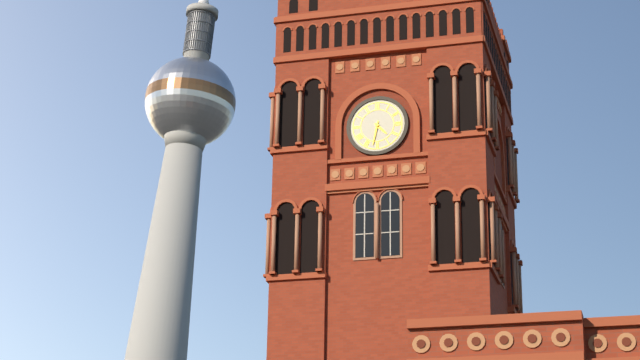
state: 4:32
